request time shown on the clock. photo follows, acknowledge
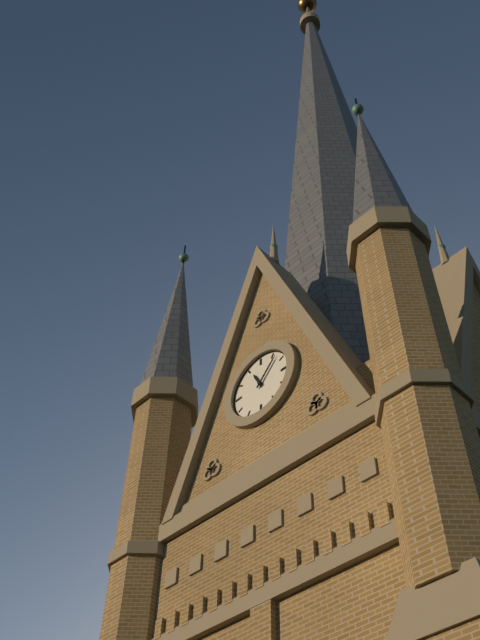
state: 11:07
